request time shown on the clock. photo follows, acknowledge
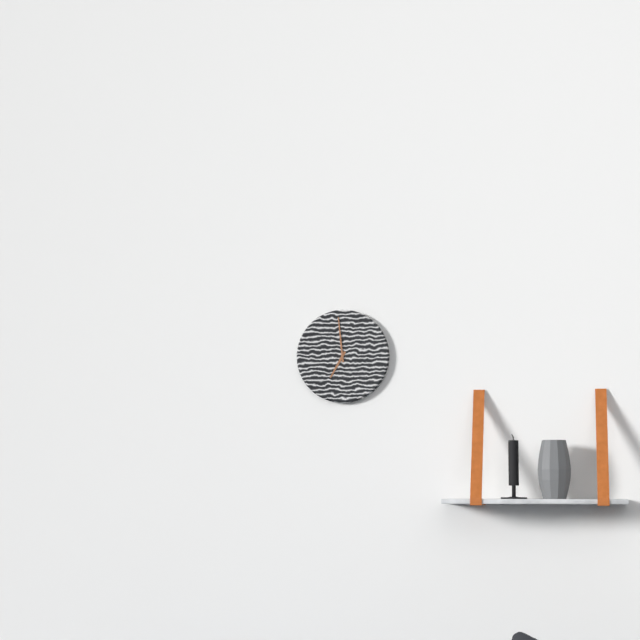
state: 6:59
